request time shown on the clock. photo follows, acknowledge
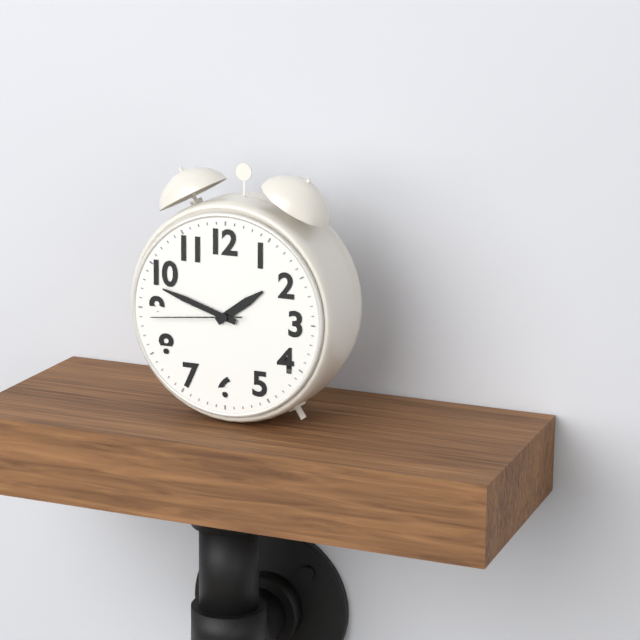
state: 1:48:44
